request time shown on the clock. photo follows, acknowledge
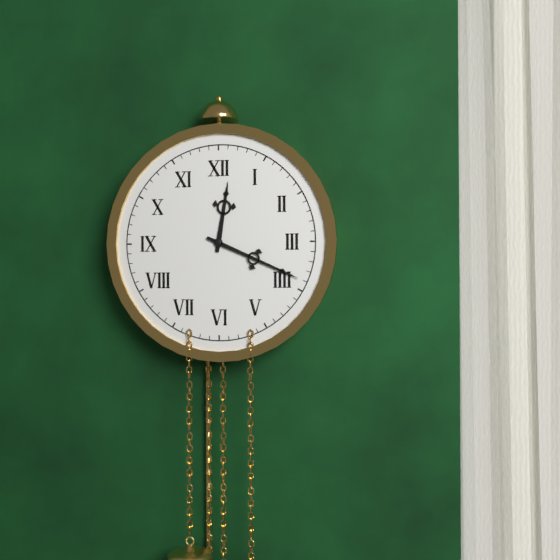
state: 12:19
